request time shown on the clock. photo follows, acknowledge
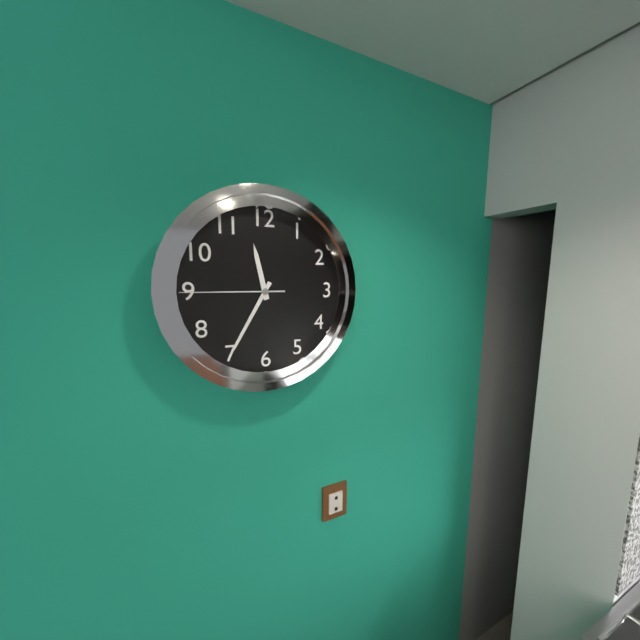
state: 11:35:45
